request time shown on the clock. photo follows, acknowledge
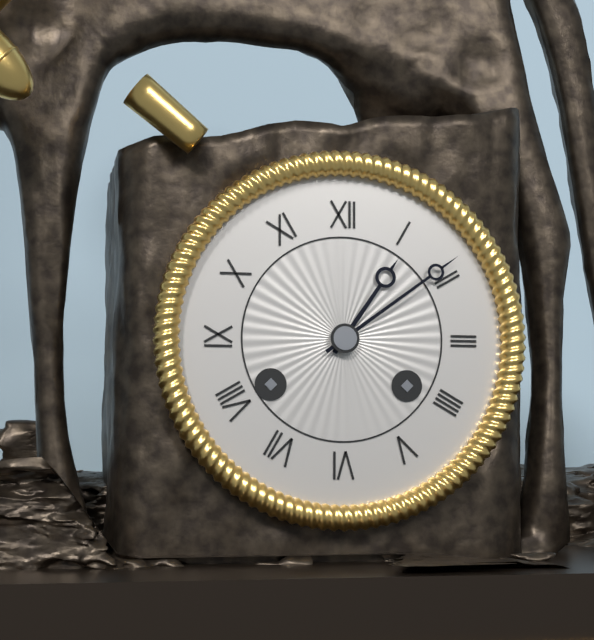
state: 1:09
